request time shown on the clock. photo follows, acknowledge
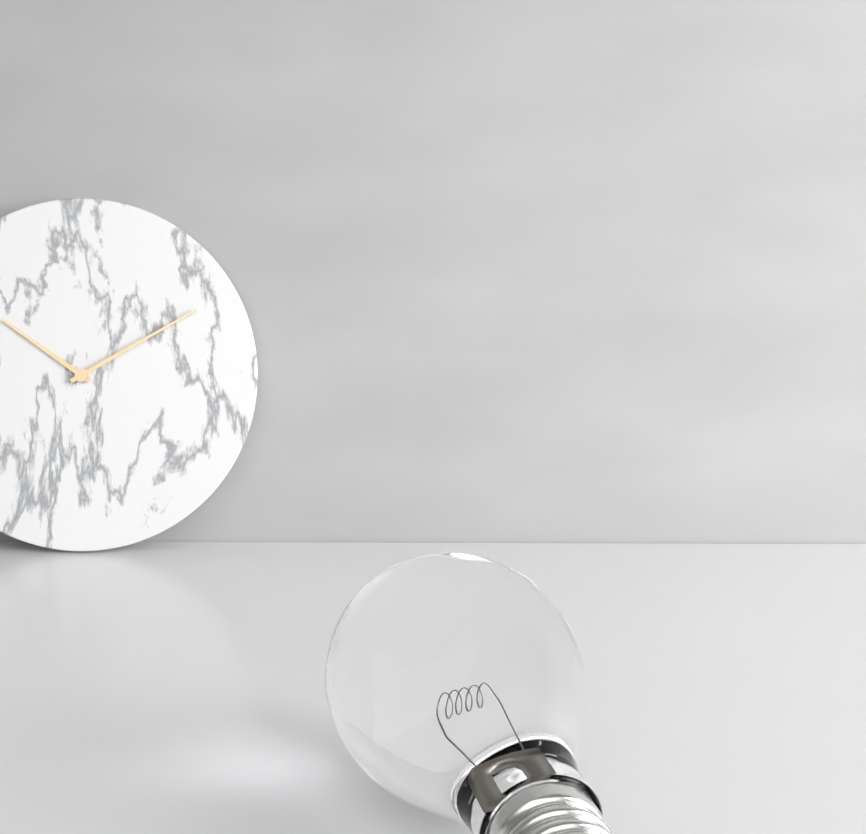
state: 10:10
